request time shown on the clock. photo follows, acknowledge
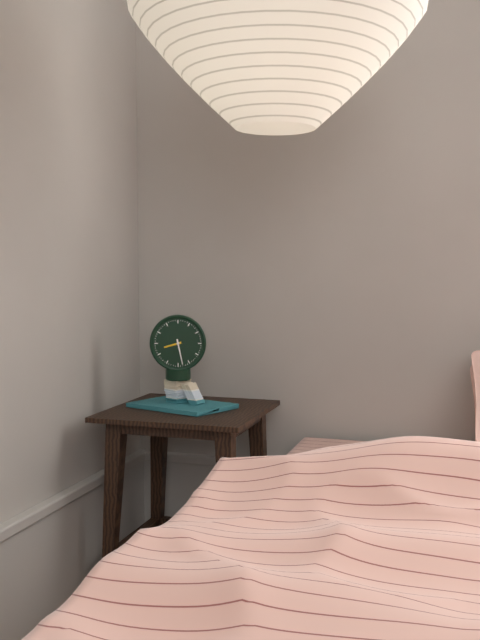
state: 8:28
